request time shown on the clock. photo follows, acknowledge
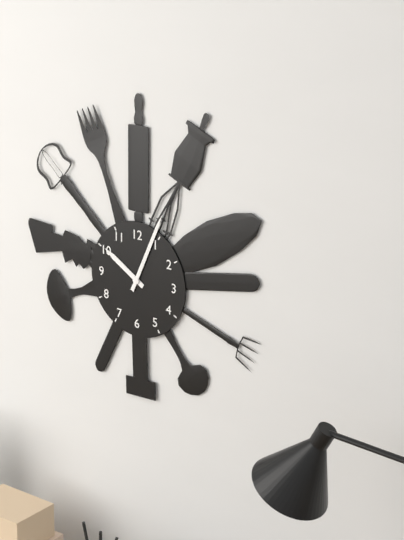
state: 10:04
